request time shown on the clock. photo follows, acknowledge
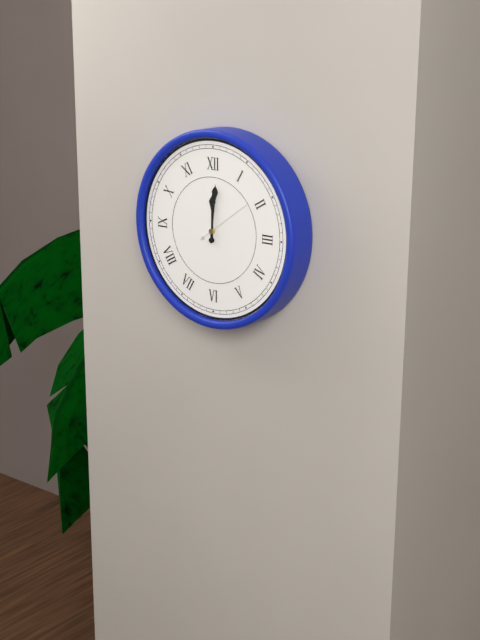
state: 12:01:09
